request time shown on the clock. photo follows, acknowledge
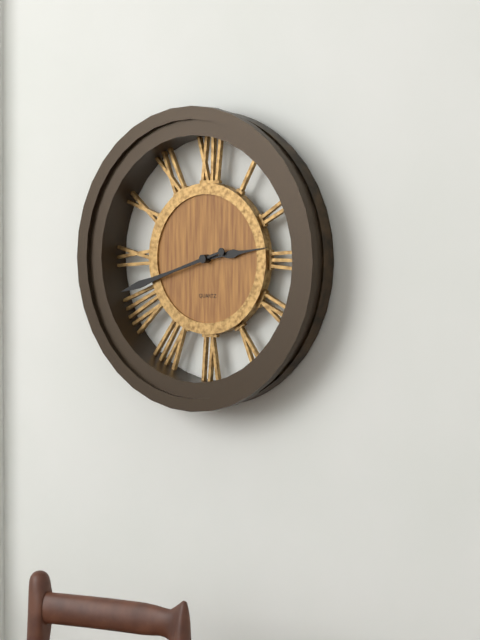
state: 2:42
